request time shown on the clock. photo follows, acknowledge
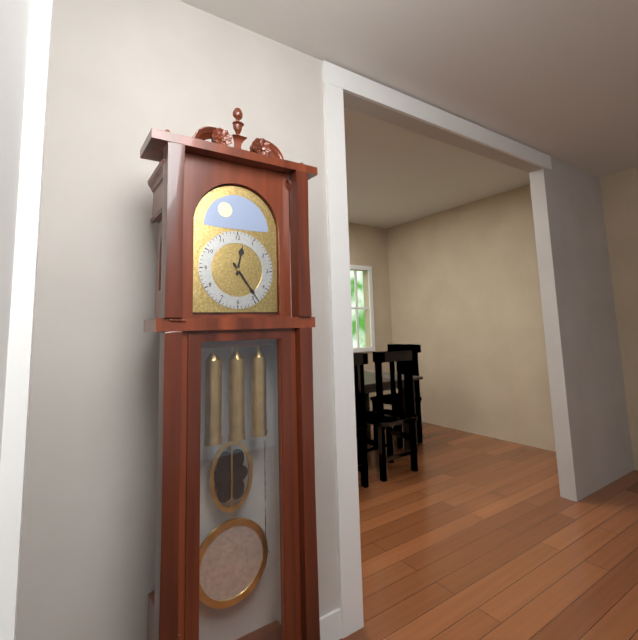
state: 12:24
